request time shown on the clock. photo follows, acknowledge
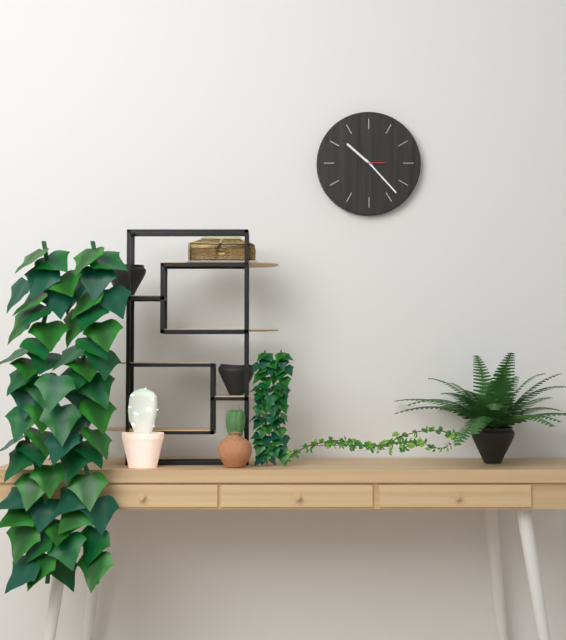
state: 10:23
